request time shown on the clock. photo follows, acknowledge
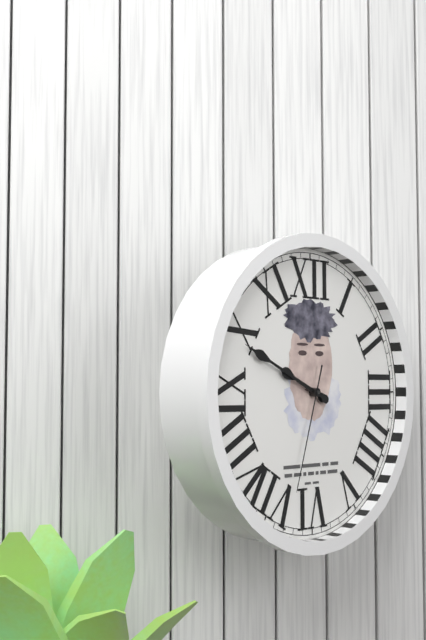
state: 9:49:33
